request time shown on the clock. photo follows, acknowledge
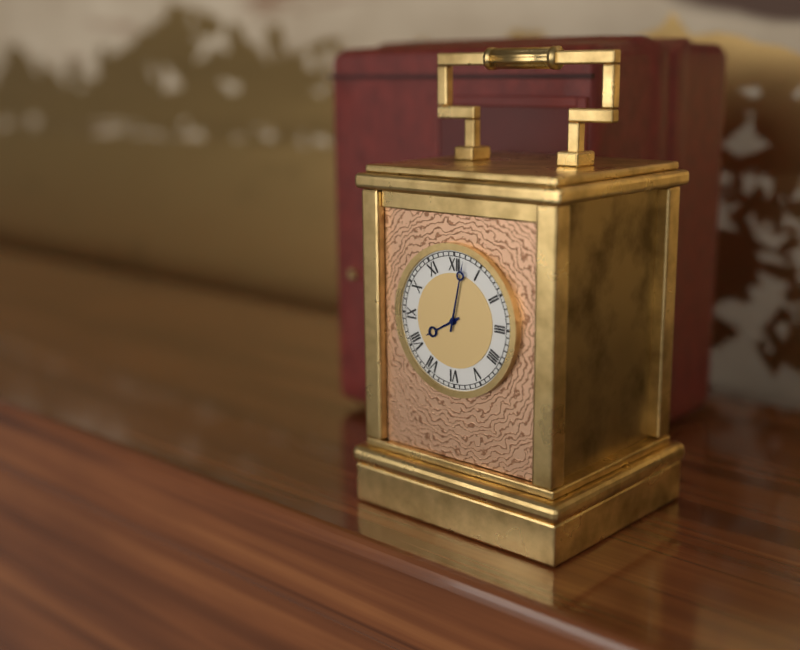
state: 8:02
